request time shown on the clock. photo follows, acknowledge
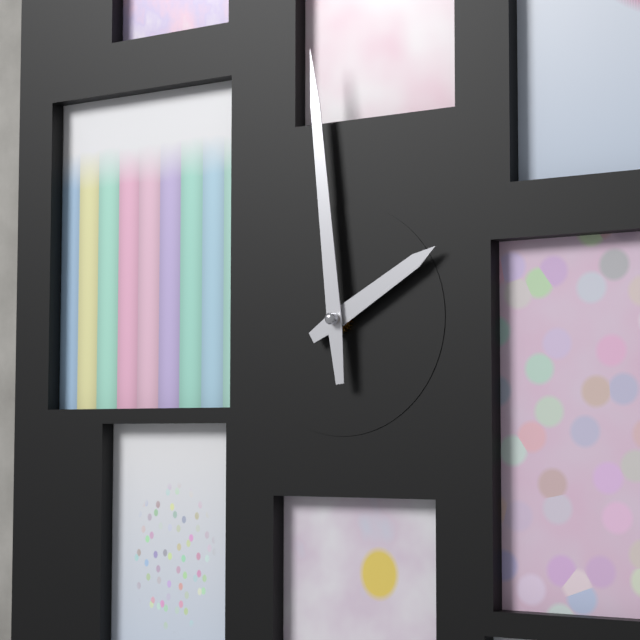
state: 1:59
